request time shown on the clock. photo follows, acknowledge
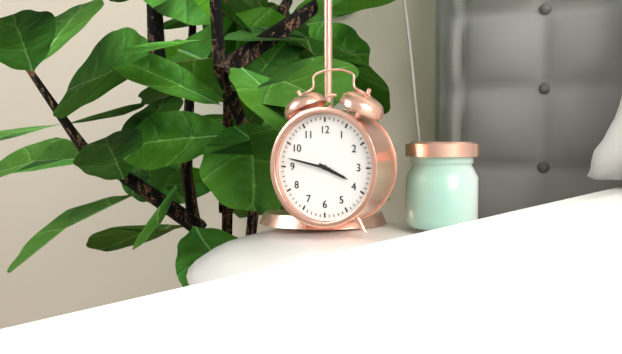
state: 3:47
